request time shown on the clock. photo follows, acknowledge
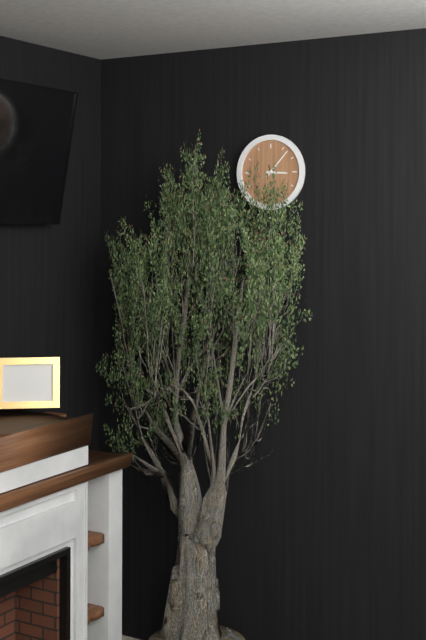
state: 3:07
